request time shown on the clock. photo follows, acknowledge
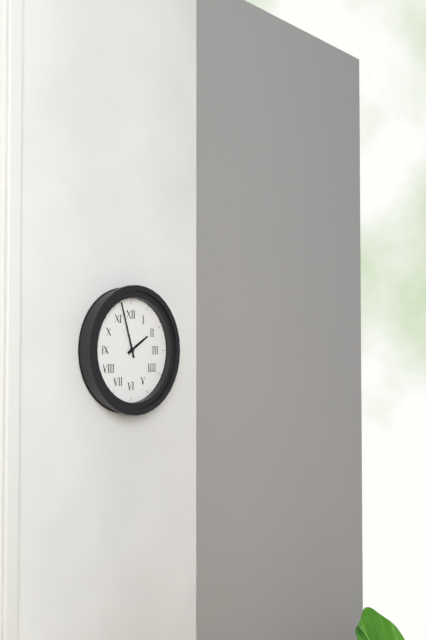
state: 1:57
